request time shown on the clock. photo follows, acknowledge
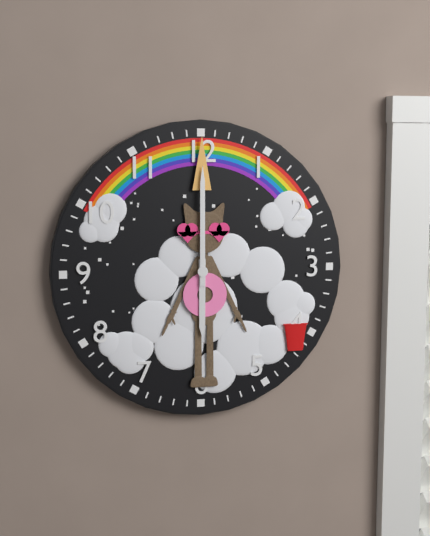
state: 6:00
